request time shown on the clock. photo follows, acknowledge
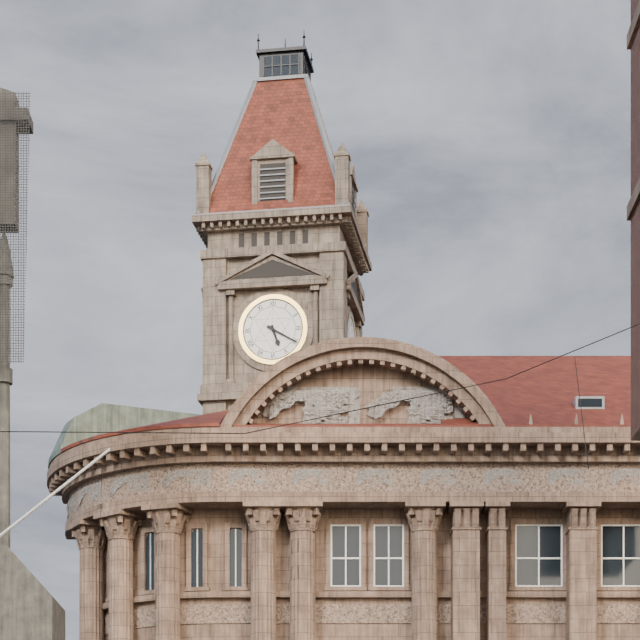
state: 5:20
